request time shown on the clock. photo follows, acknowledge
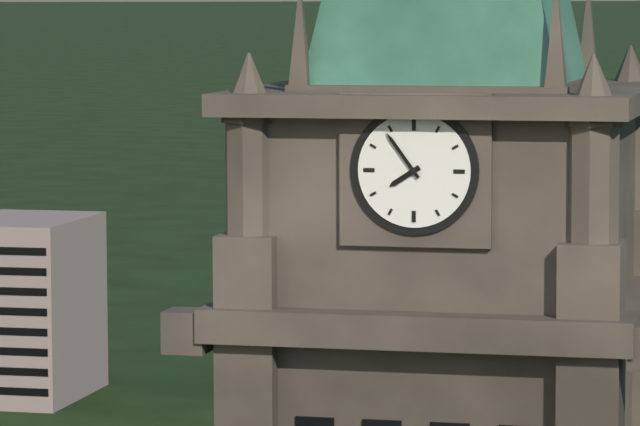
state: 7:54
